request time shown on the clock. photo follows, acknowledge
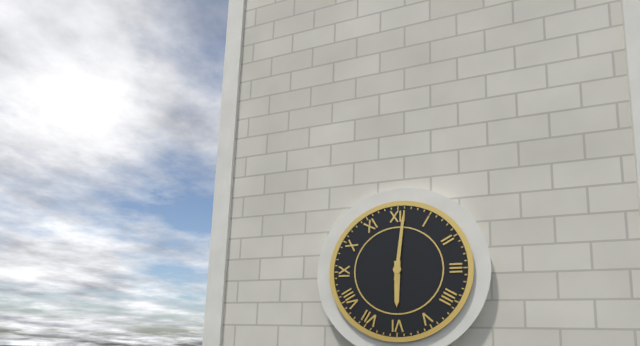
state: 6:01
